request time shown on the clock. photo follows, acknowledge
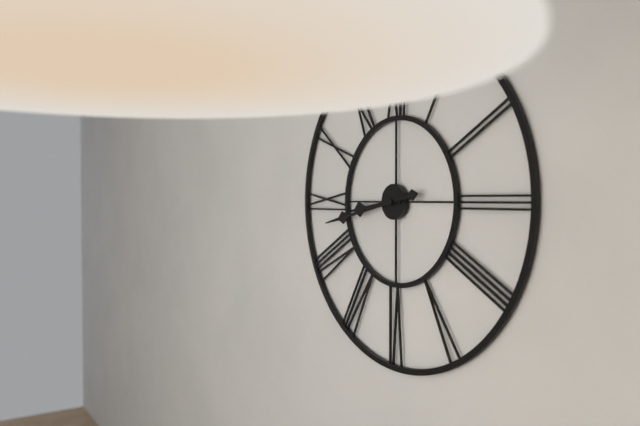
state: 8:43
